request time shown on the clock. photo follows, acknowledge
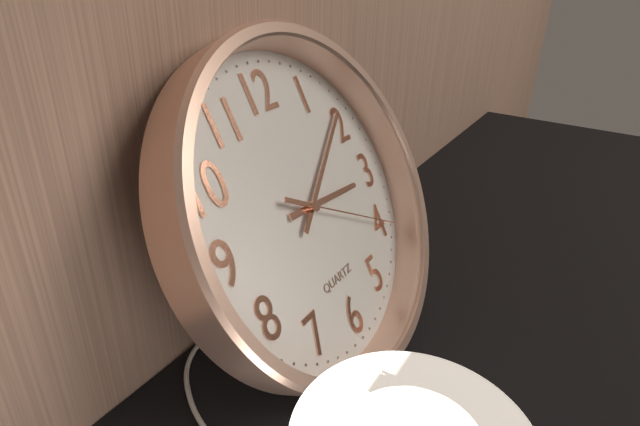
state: 3:09:20
